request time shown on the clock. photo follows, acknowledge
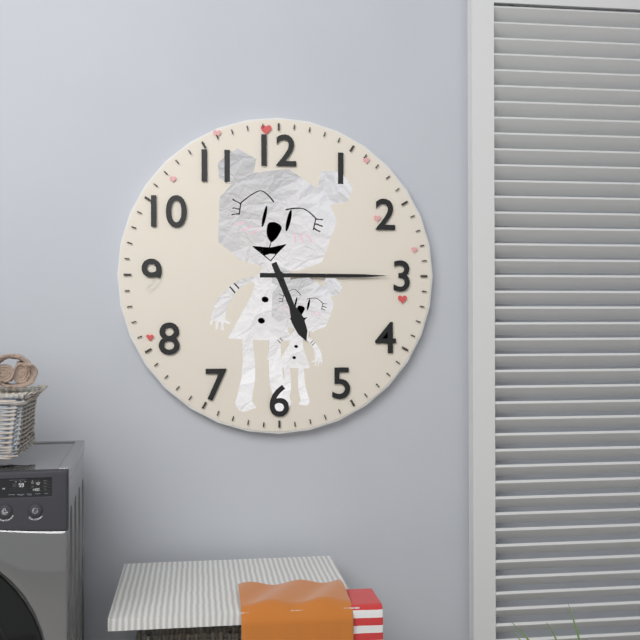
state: 5:15
